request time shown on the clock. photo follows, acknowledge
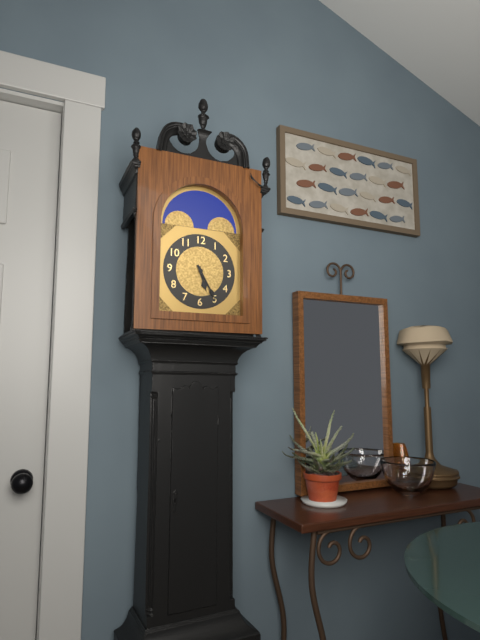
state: 5:25
